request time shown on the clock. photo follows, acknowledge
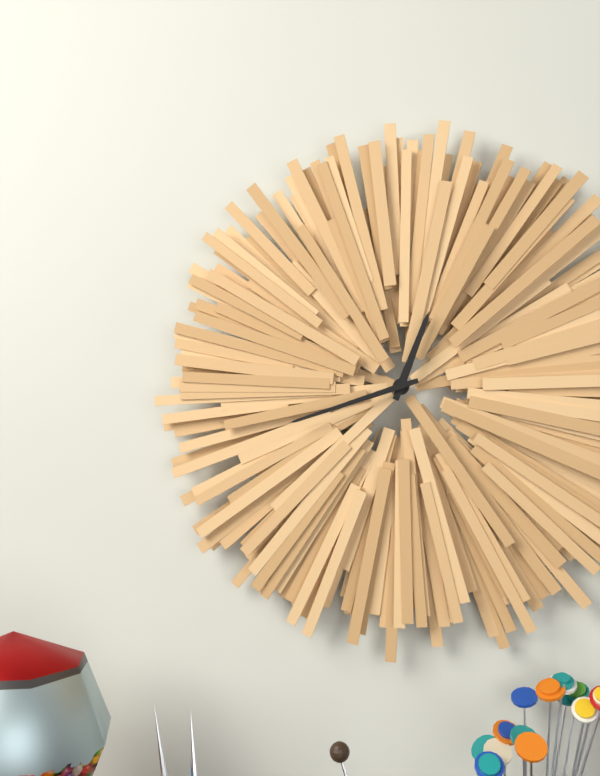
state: 12:42
